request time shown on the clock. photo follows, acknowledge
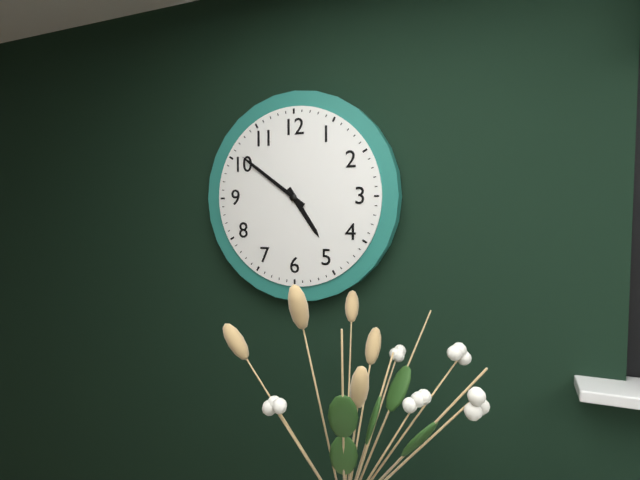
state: 4:51
